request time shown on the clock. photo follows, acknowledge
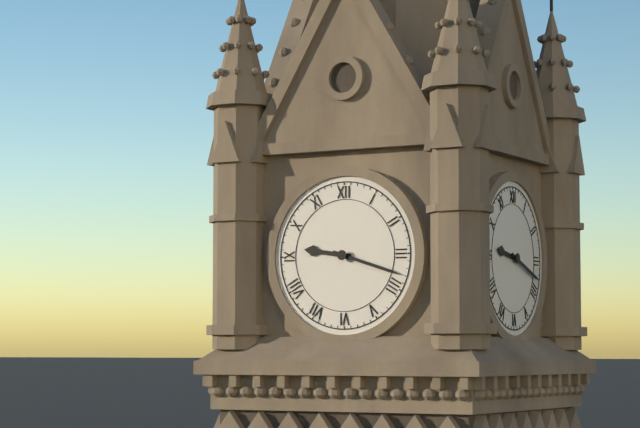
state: 9:18
